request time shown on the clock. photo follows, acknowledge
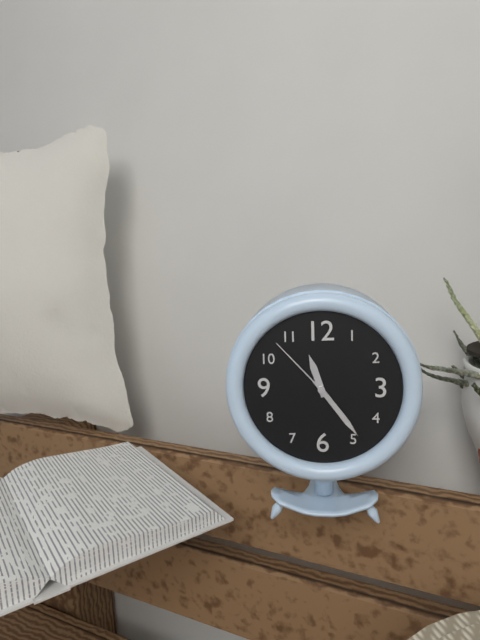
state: 11:24:53
